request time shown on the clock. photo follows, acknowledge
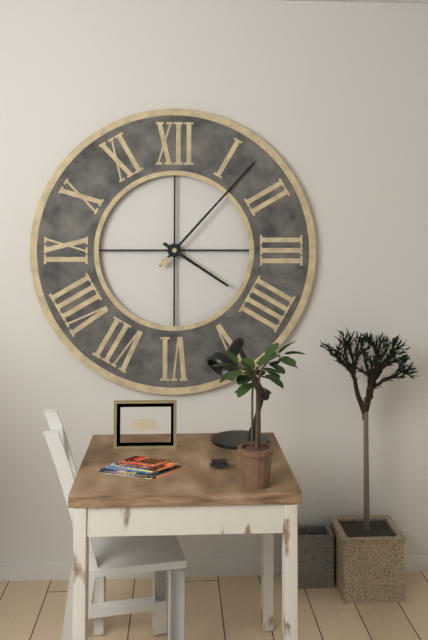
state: 4:07
